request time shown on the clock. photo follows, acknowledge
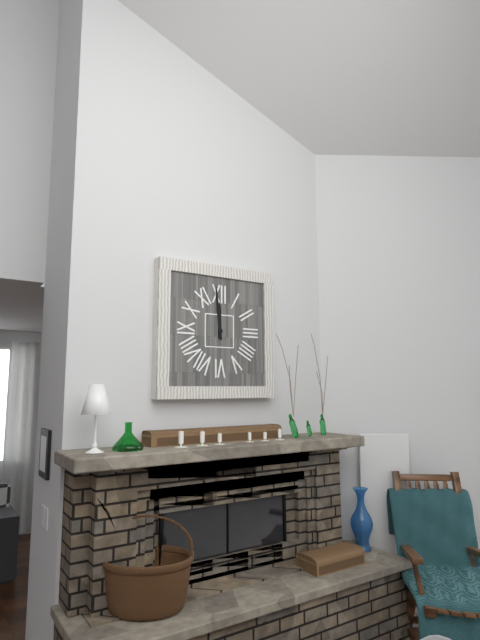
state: 11:59
